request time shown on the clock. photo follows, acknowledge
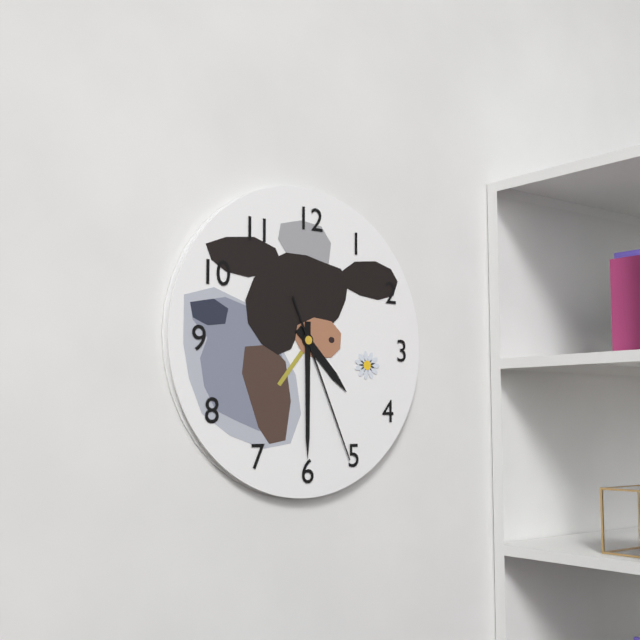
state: 4:30:26
